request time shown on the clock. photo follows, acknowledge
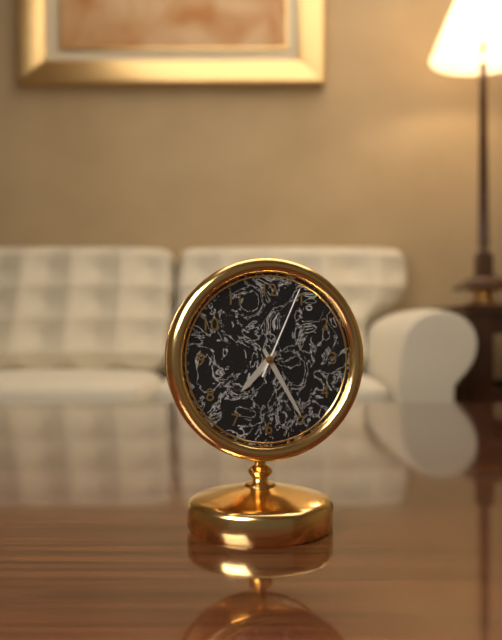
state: 7:25:04
